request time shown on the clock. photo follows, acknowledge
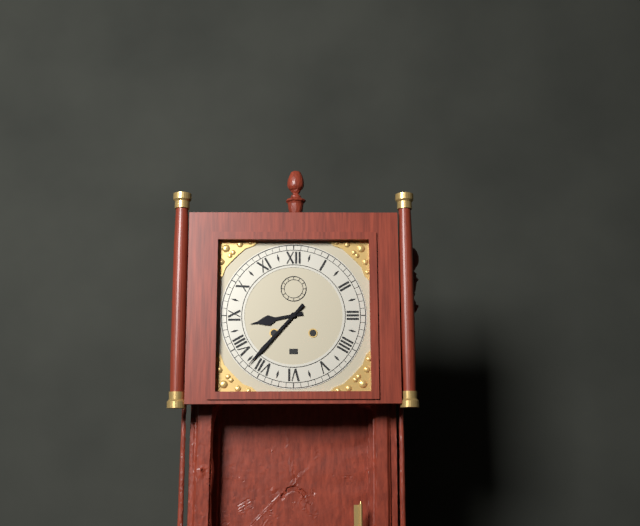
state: 8:37
